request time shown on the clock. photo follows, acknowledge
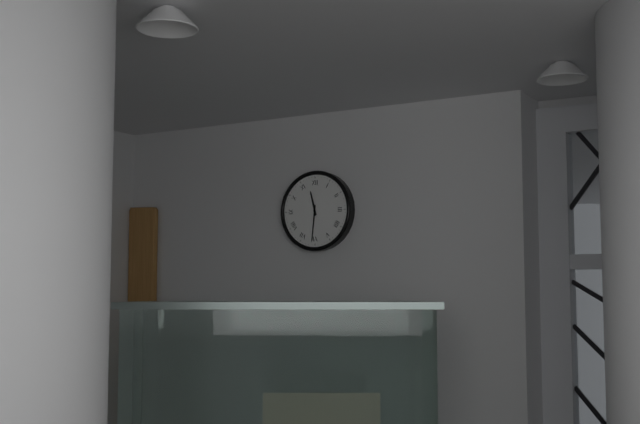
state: 11:31
